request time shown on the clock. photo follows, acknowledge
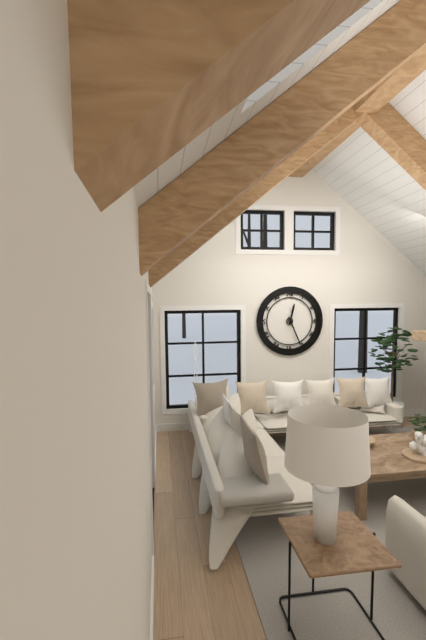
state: 12:26
